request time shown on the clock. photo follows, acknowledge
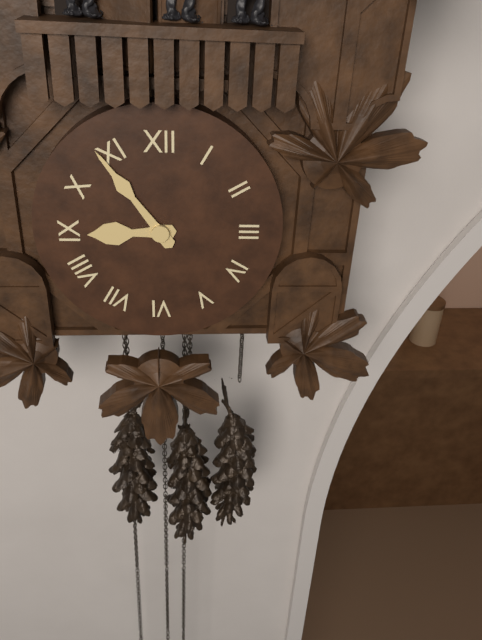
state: 8:54
